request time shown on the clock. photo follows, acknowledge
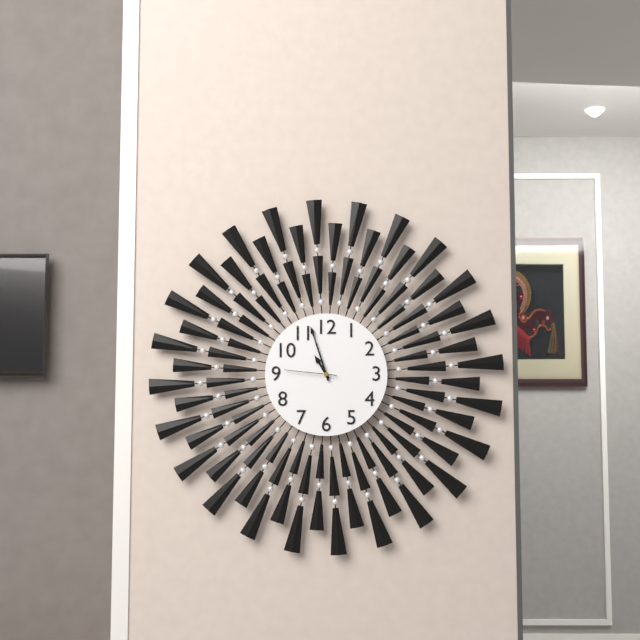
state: 10:57:46
